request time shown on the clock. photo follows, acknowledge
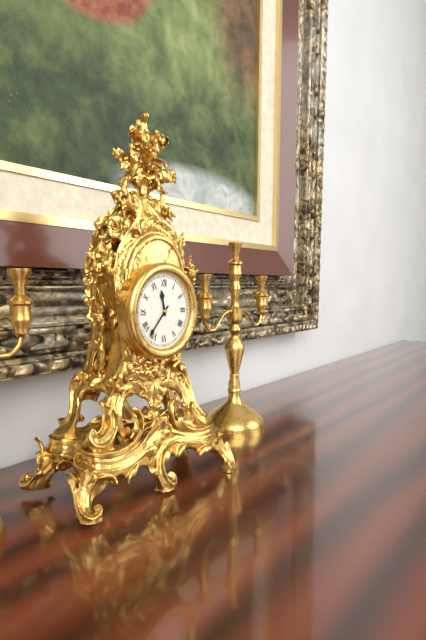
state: 11:37
